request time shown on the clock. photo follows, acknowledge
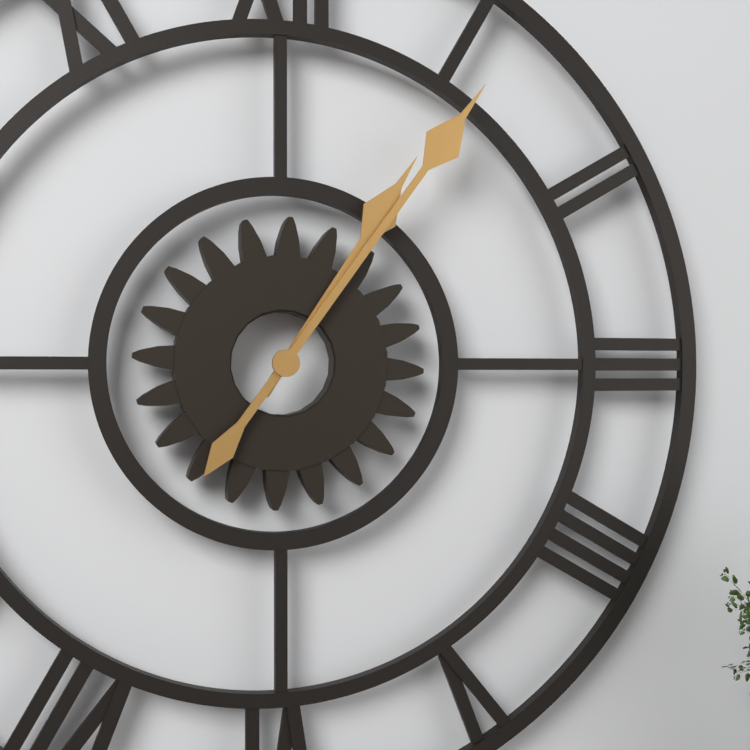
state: 1:06
